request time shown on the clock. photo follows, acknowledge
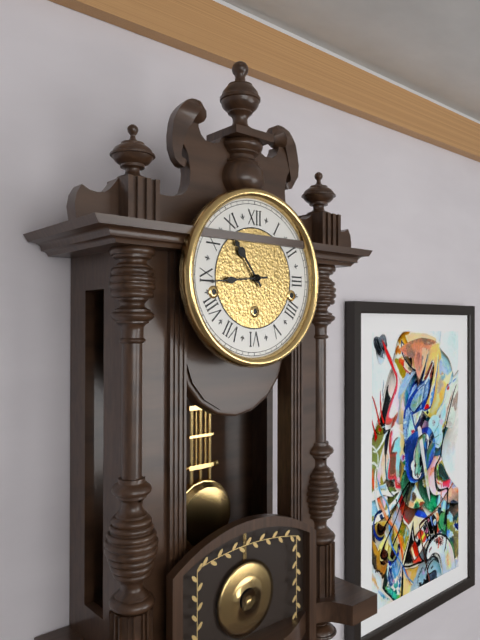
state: 10:44
